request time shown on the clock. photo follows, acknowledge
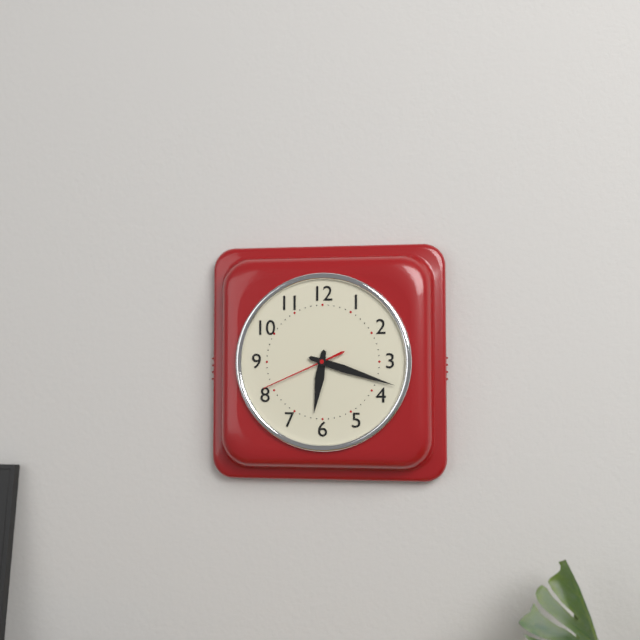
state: 6:18:41
